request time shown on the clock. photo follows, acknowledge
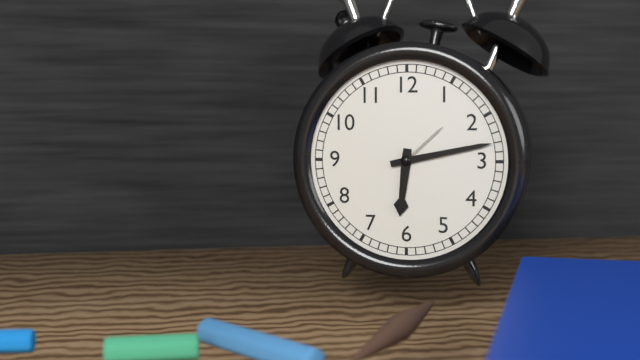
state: 6:13
